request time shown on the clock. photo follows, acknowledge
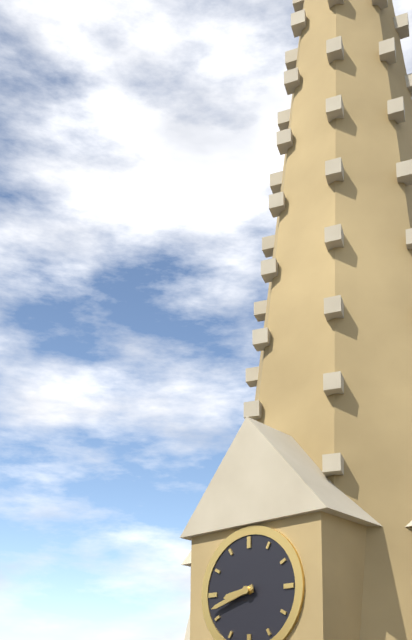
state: 8:42
